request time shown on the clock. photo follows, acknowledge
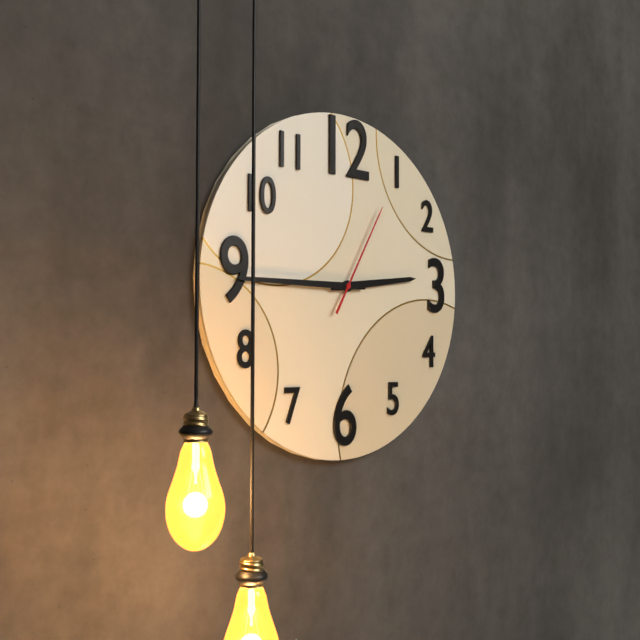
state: 2:45:05
